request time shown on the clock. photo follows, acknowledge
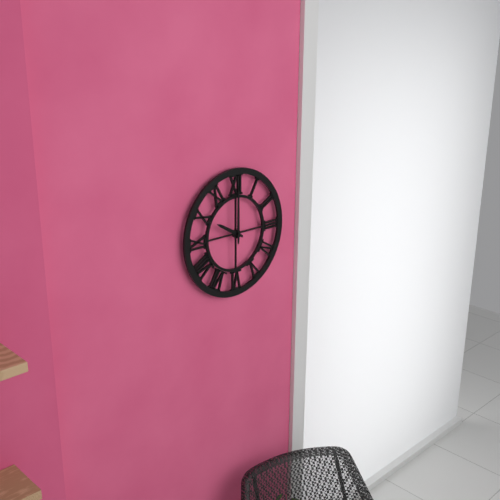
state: 10:00
